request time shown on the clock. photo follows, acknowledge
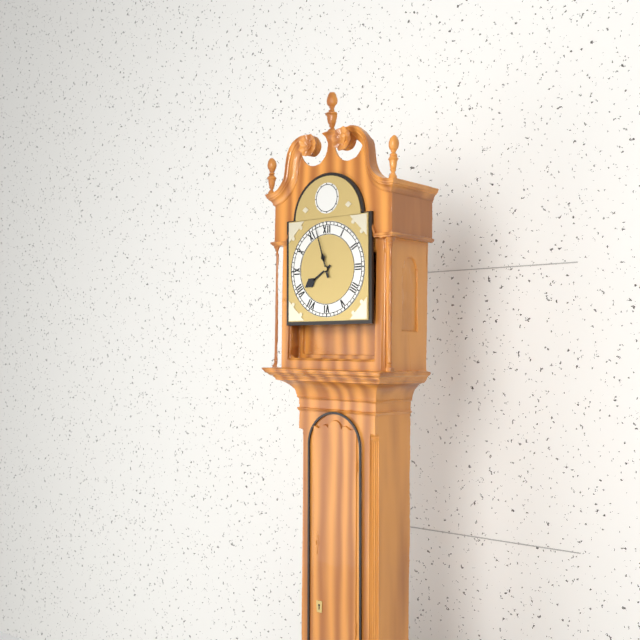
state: 7:57
